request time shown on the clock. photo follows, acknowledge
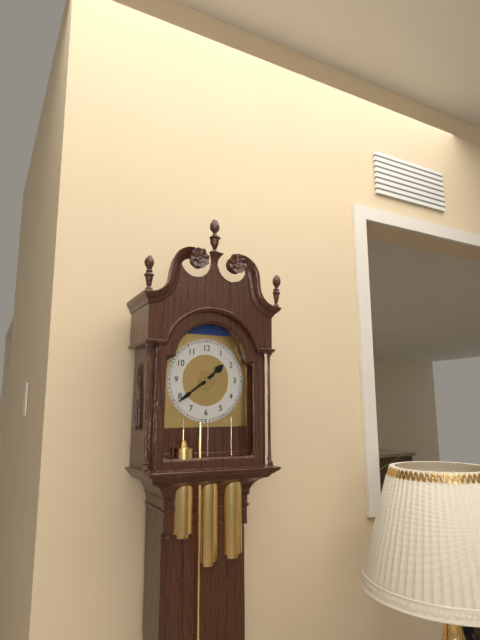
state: 1:39
